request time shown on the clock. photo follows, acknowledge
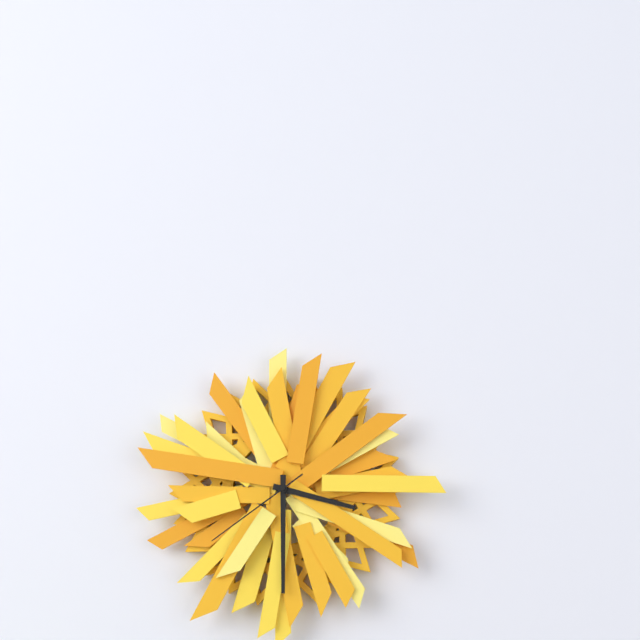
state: 3:30:39
